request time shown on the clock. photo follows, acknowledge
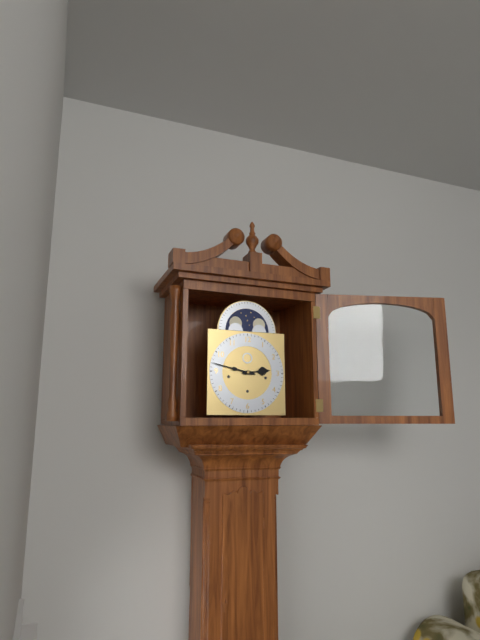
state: 2:47
